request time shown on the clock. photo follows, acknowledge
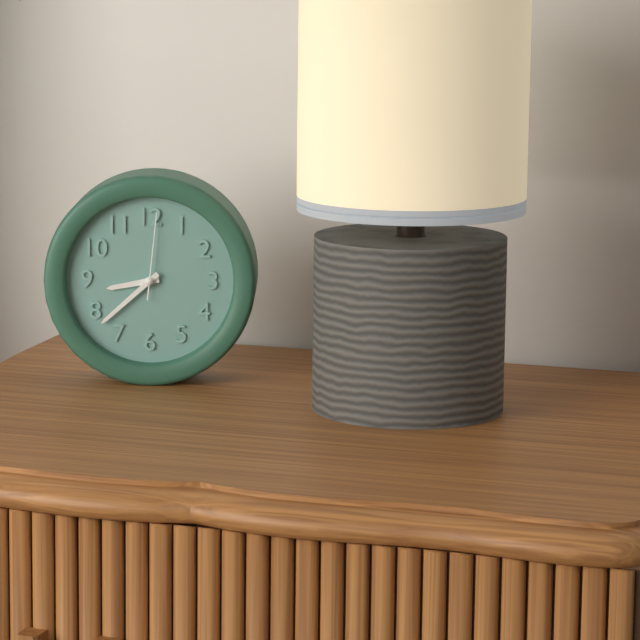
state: 8:38:01
